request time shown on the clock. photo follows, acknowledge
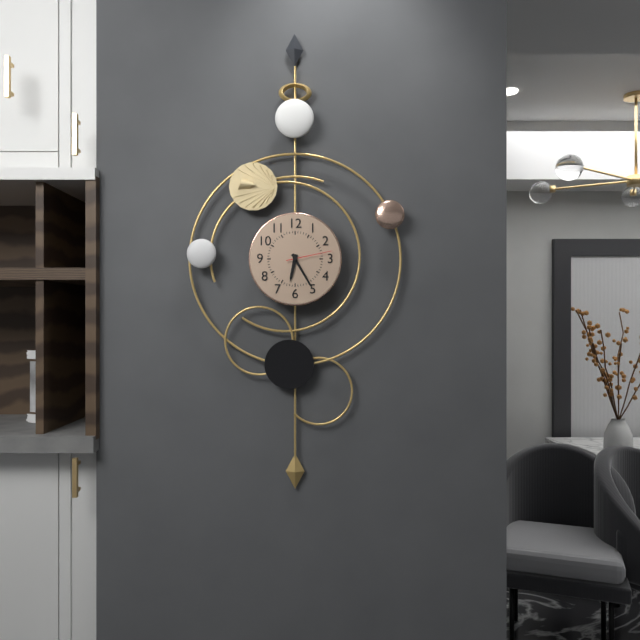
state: 6:25
